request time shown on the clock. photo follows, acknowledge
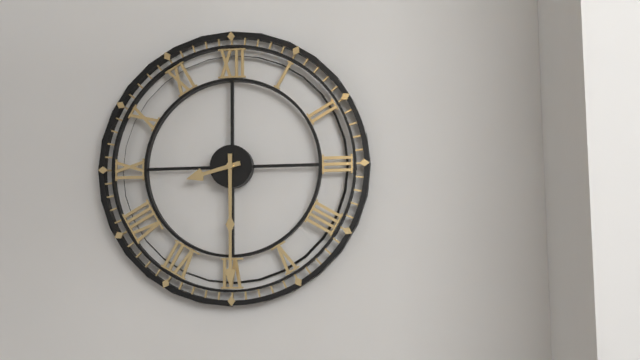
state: 8:30
